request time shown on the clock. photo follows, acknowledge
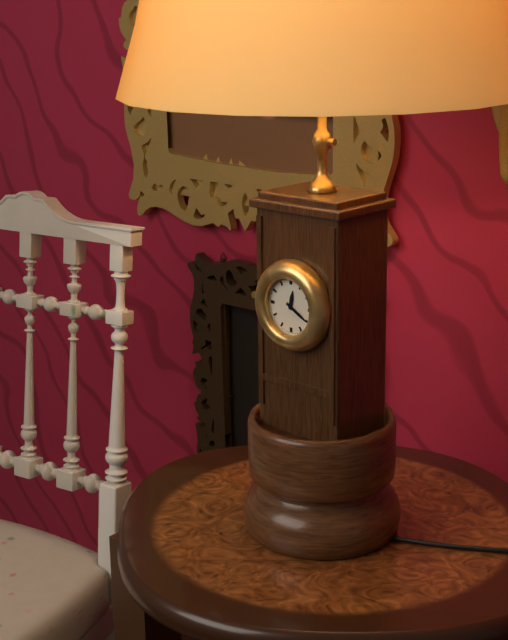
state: 12:20
